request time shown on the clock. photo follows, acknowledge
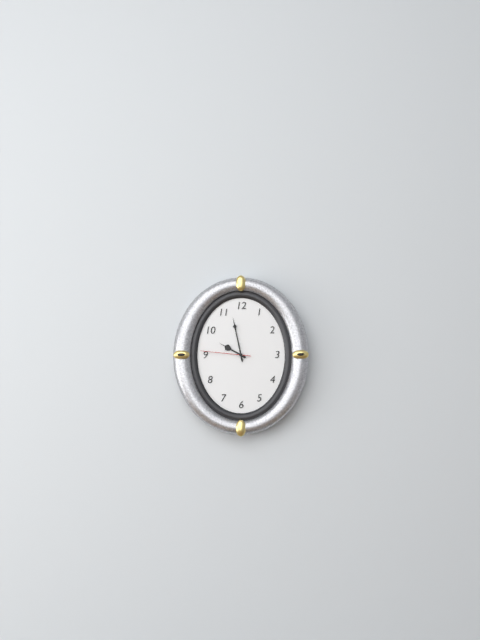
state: 9:58:46
